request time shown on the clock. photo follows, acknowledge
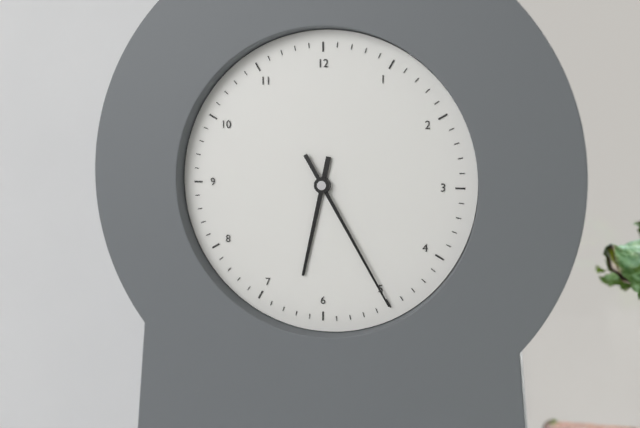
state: 6:25
